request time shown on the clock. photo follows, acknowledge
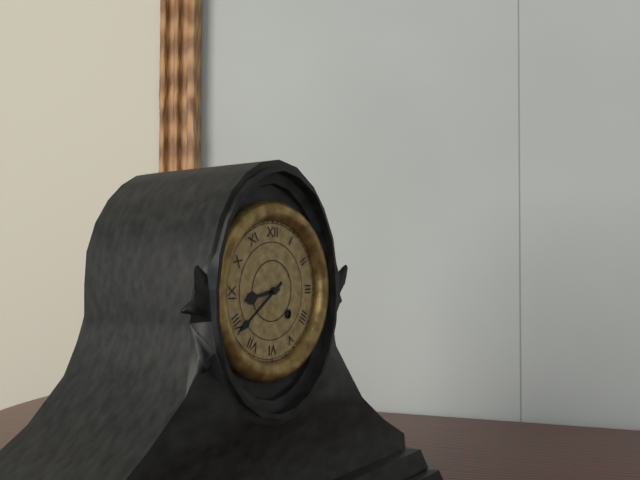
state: 8:39
